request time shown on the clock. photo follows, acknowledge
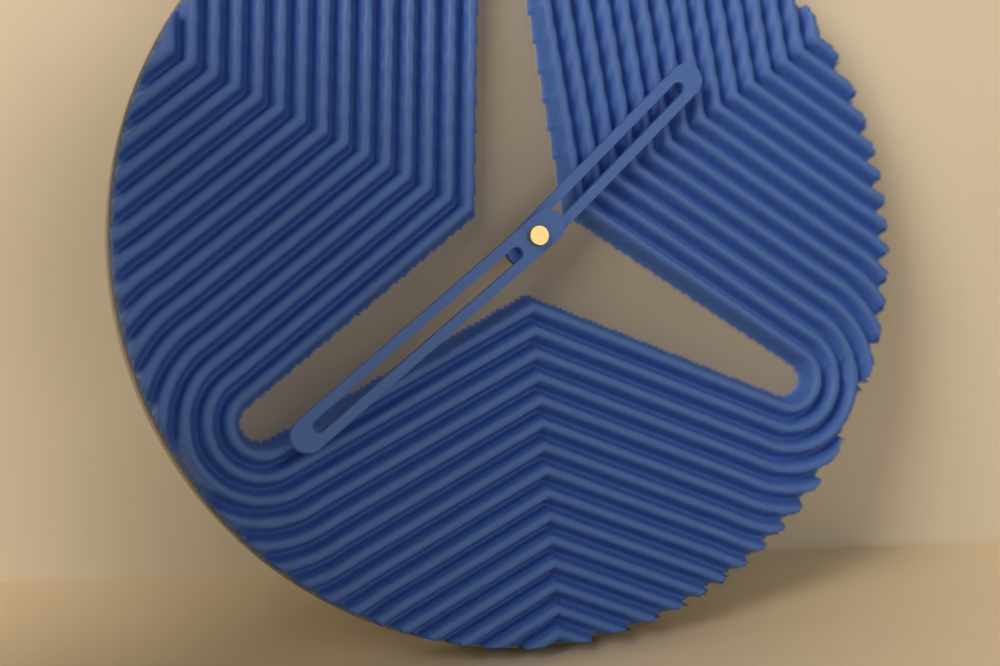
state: 1:39
